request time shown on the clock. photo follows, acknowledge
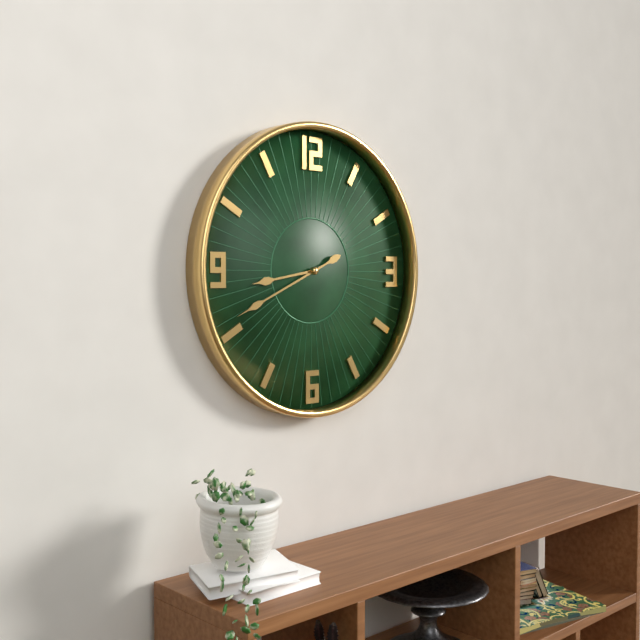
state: 8:41
